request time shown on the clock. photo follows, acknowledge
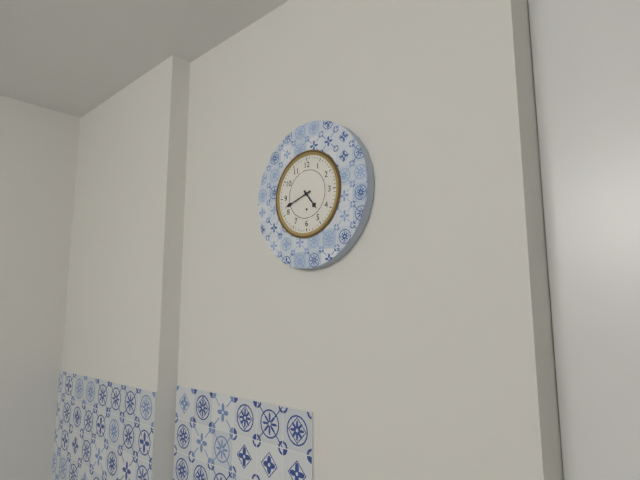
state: 4:42
